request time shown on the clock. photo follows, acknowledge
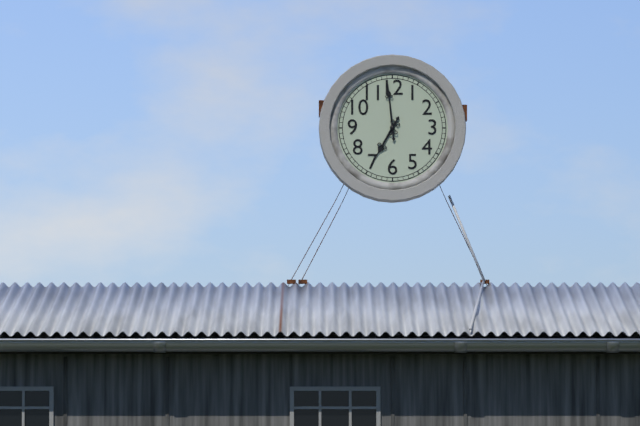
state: 6:59
